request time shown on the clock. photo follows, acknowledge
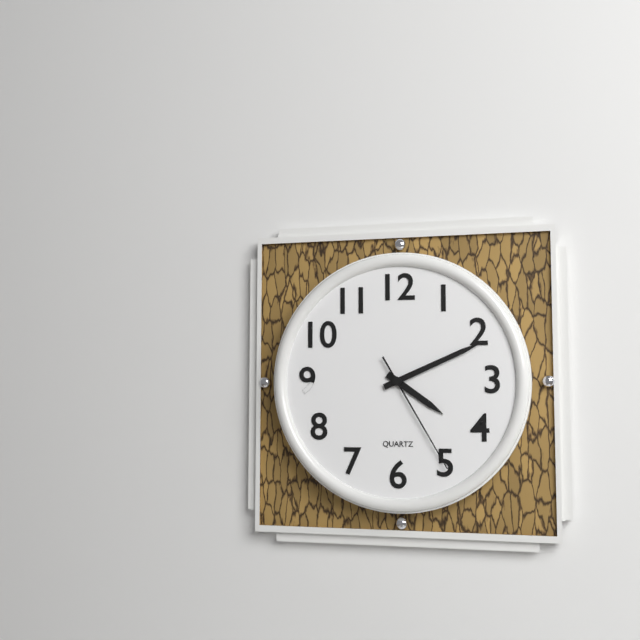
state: 4:11:25
